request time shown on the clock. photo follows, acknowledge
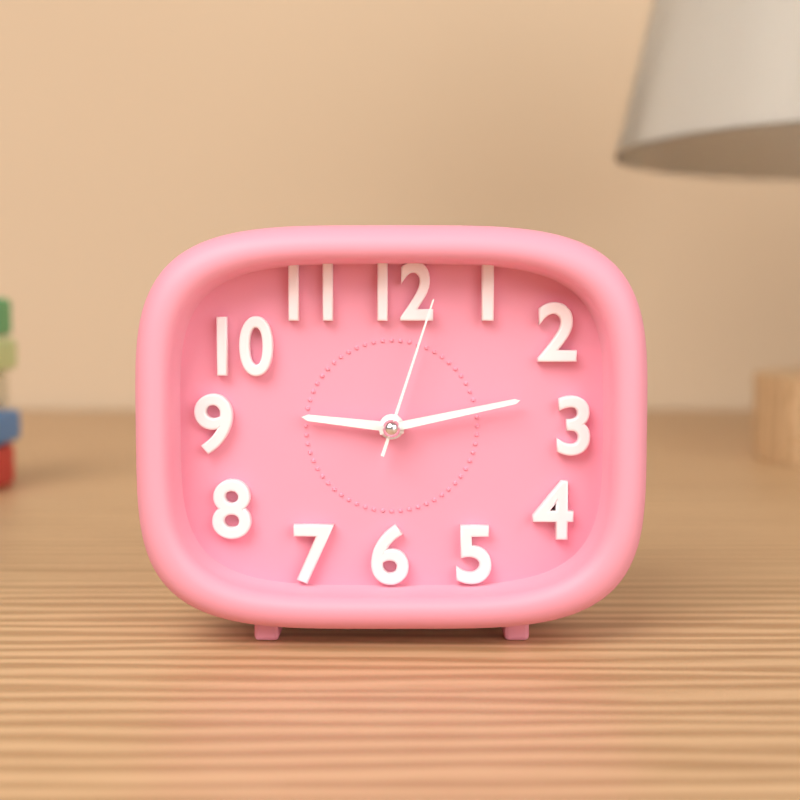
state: 9:13:03
